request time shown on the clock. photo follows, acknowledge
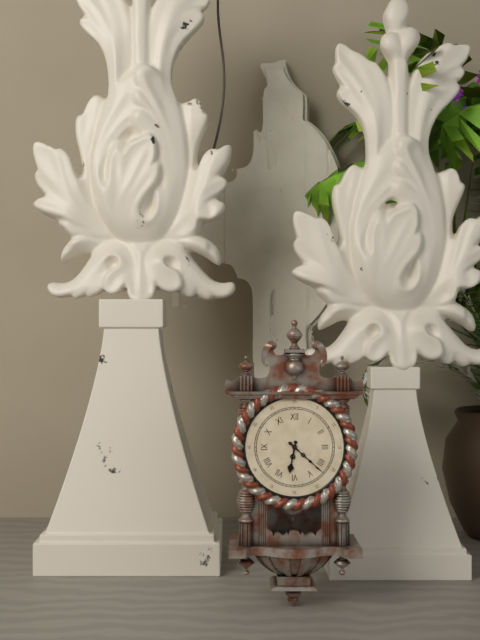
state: 6:22
